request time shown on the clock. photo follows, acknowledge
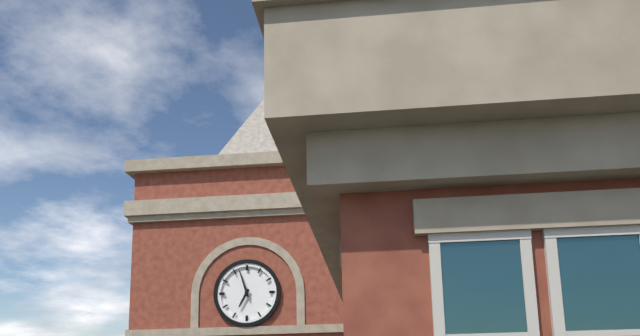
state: 6:57
